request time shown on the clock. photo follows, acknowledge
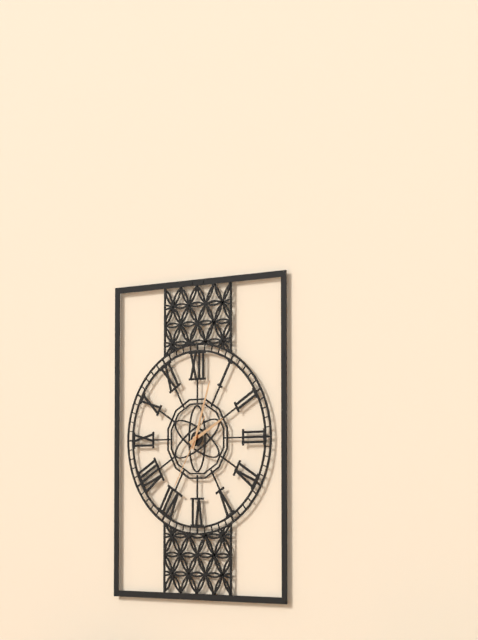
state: 2:03:35
